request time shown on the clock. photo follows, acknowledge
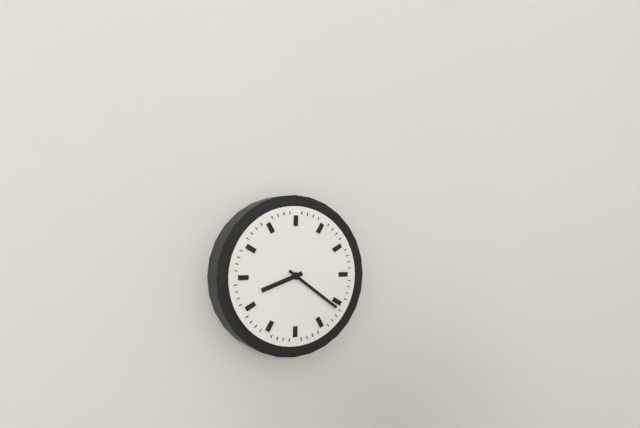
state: 8:21
